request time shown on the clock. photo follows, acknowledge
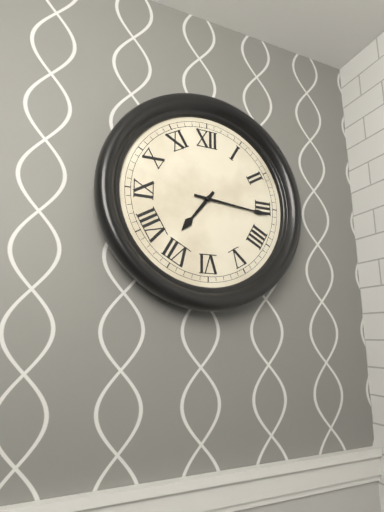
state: 7:16
